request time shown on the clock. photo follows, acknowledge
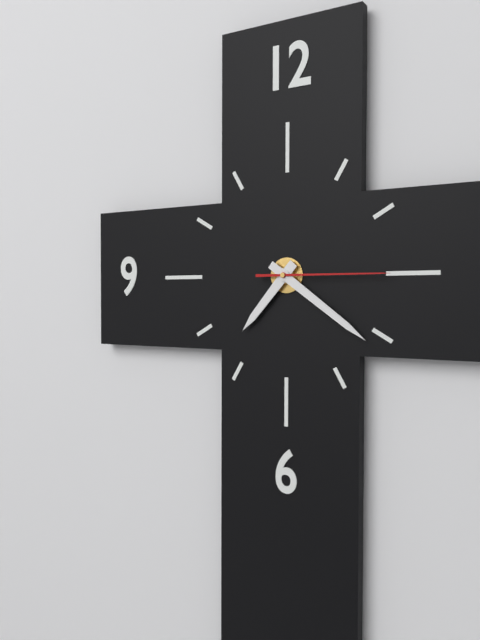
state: 7:21:15
